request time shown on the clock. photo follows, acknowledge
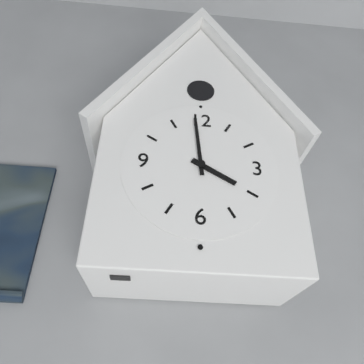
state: 3:59
